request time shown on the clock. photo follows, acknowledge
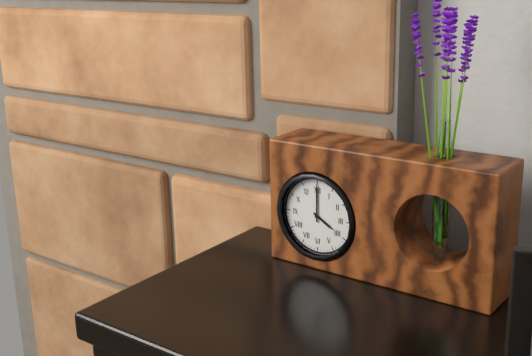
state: 4:00
